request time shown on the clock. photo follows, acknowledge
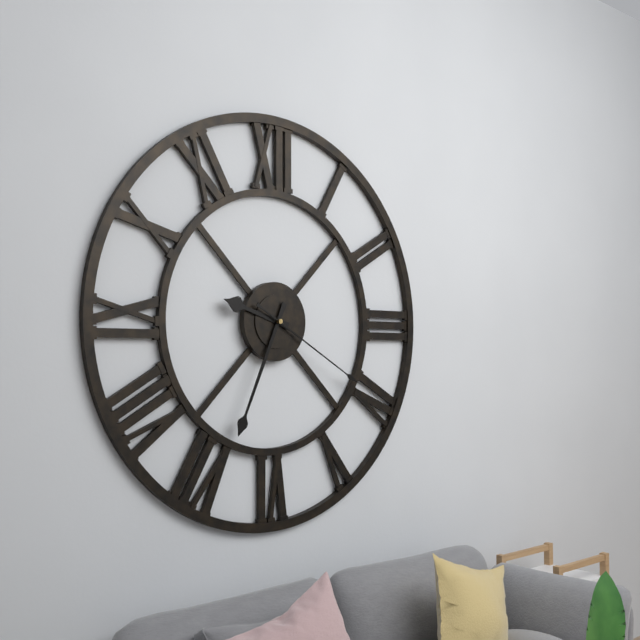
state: 9:34:20
